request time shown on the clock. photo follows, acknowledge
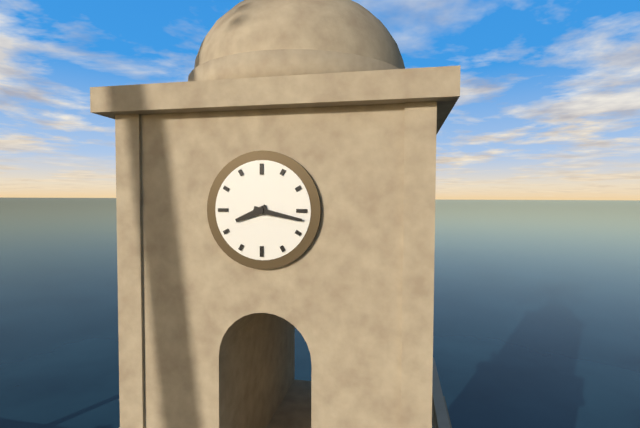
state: 8:17
